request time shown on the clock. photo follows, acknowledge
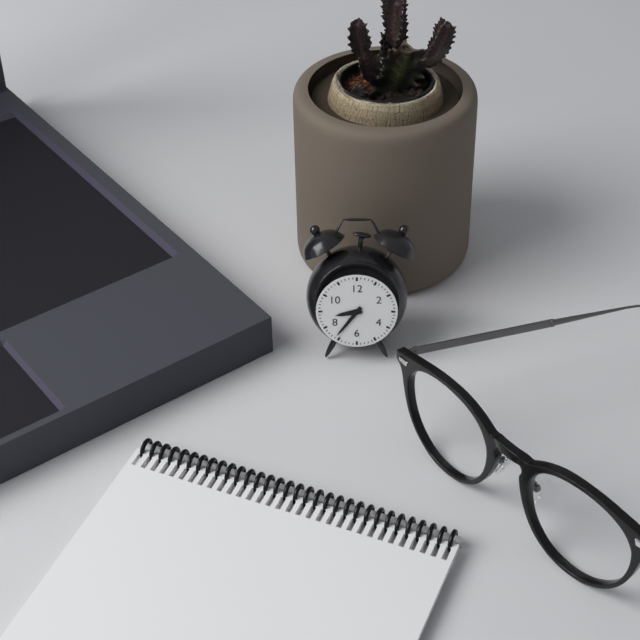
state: 8:36
